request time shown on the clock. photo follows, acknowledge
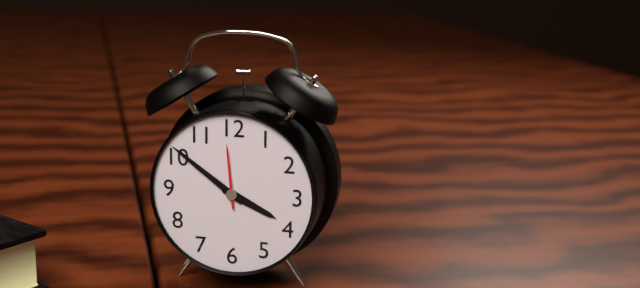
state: 3:51:59
